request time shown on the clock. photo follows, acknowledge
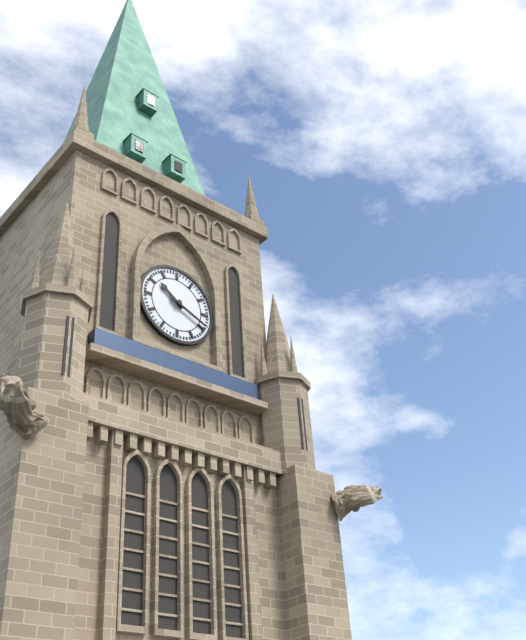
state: 10:19
